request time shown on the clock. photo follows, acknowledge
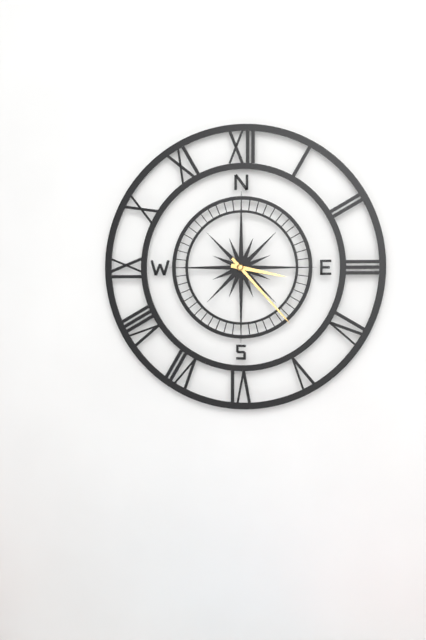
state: 3:23
